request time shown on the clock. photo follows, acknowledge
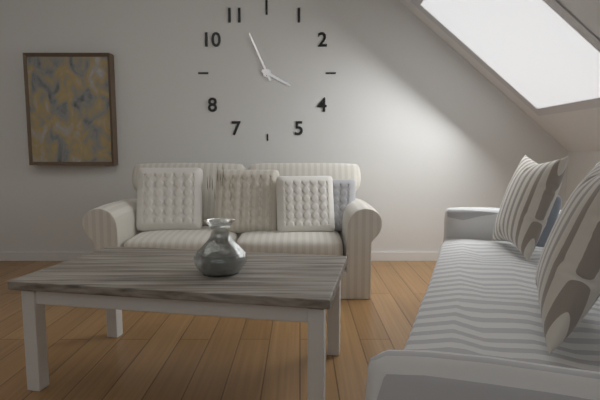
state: 3:56
